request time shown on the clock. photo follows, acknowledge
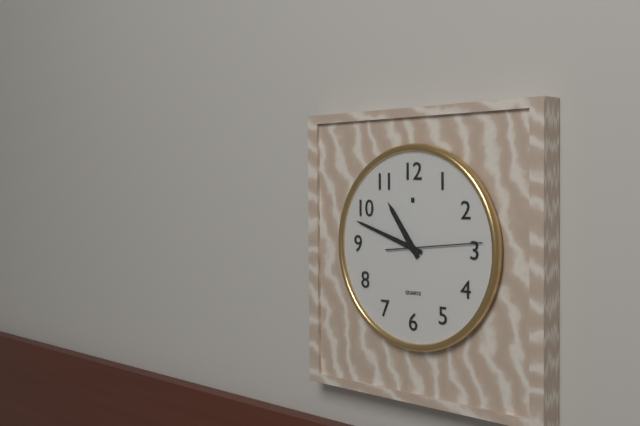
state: 10:48:14
